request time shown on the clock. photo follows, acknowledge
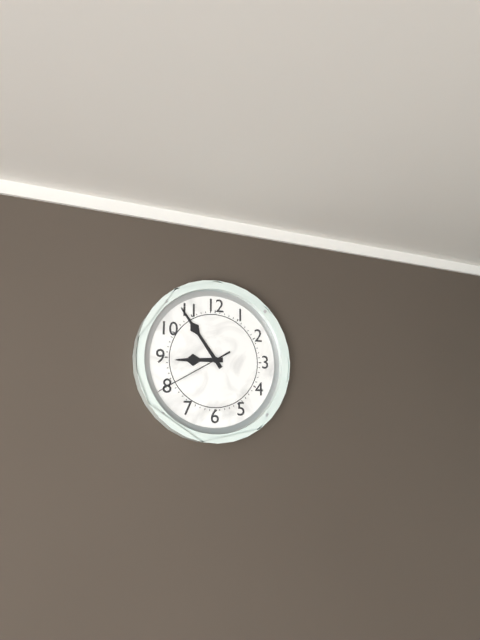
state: 8:54:40
